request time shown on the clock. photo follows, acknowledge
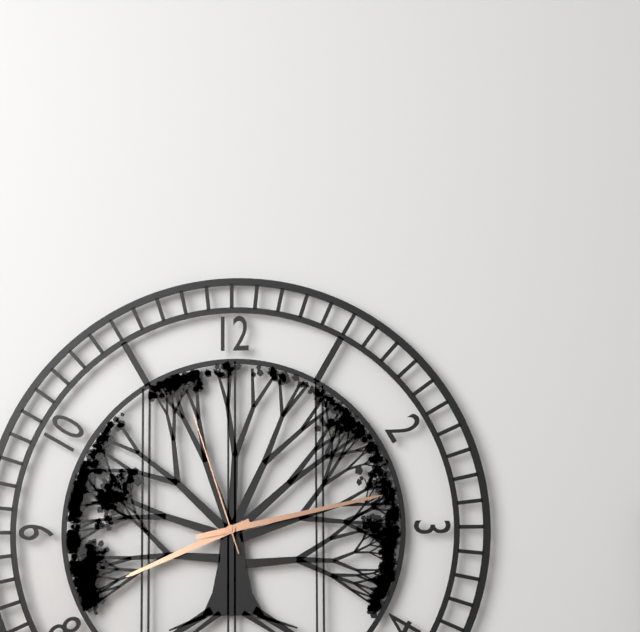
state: 8:13:57
